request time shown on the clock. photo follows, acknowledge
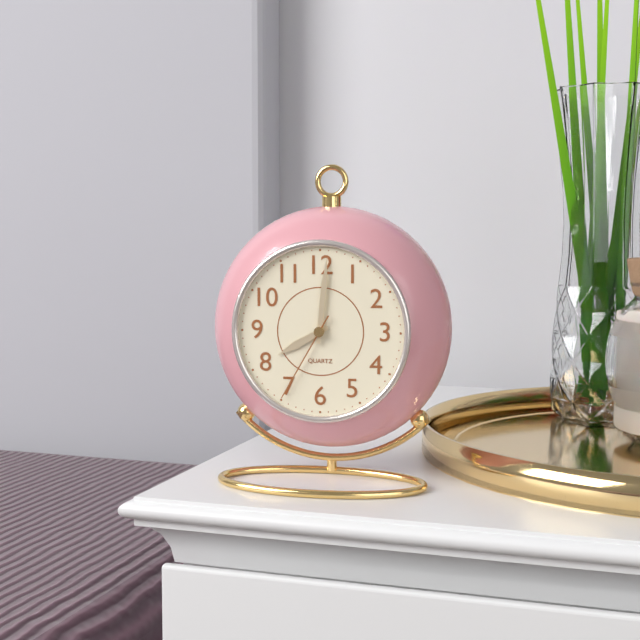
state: 8:01:35
